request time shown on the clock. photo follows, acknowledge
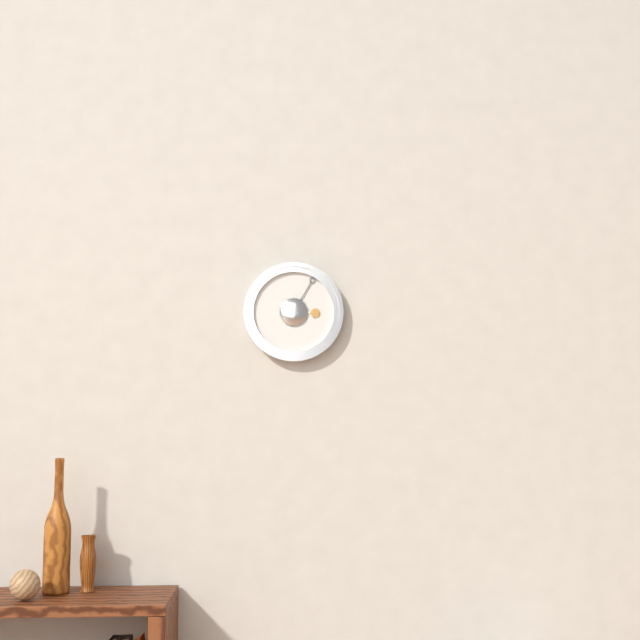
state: 3:05
